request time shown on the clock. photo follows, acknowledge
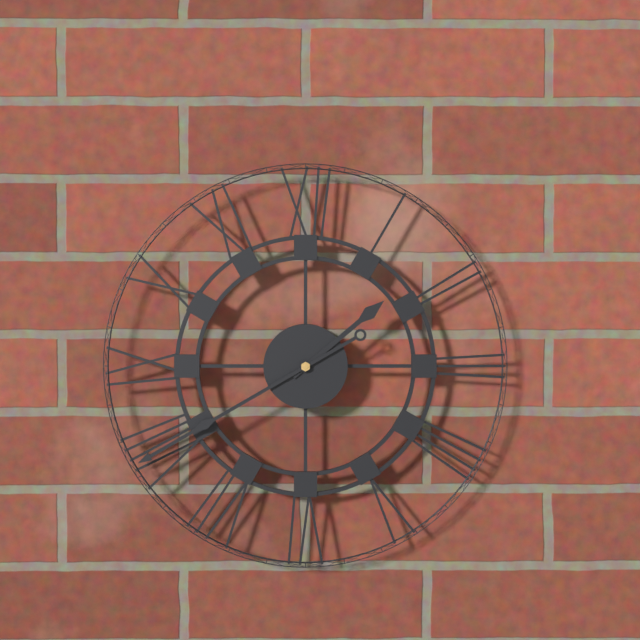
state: 1:40
